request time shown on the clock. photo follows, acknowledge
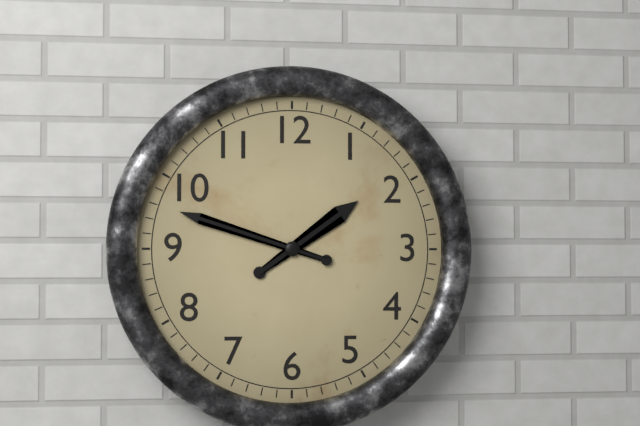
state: 1:48
